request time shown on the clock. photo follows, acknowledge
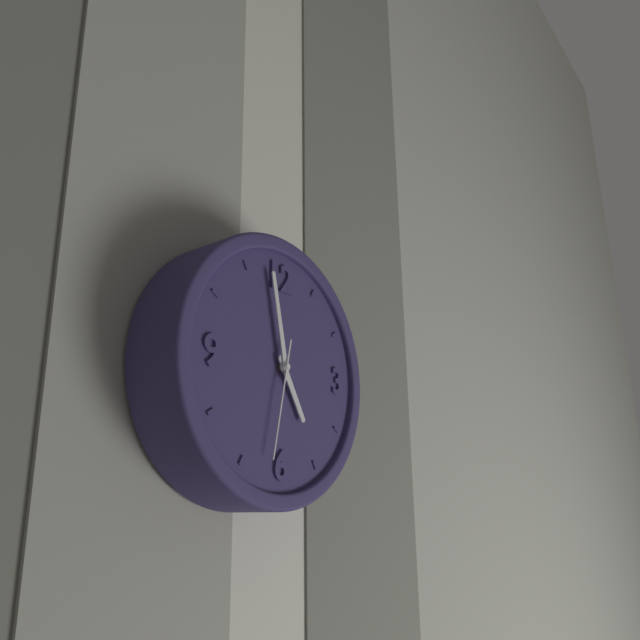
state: 4:58:32
